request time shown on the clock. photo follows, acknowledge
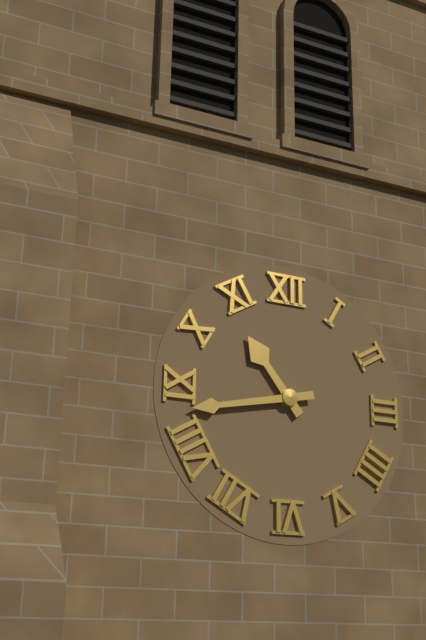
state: 10:43
